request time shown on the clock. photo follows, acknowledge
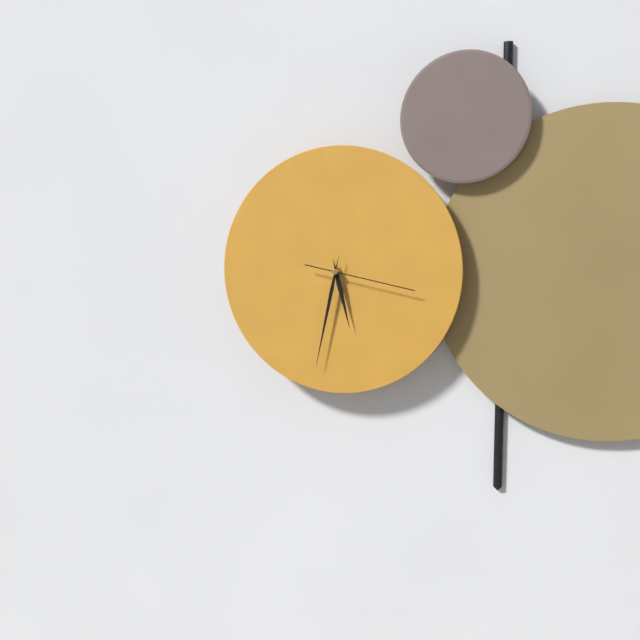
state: 5:32:17
